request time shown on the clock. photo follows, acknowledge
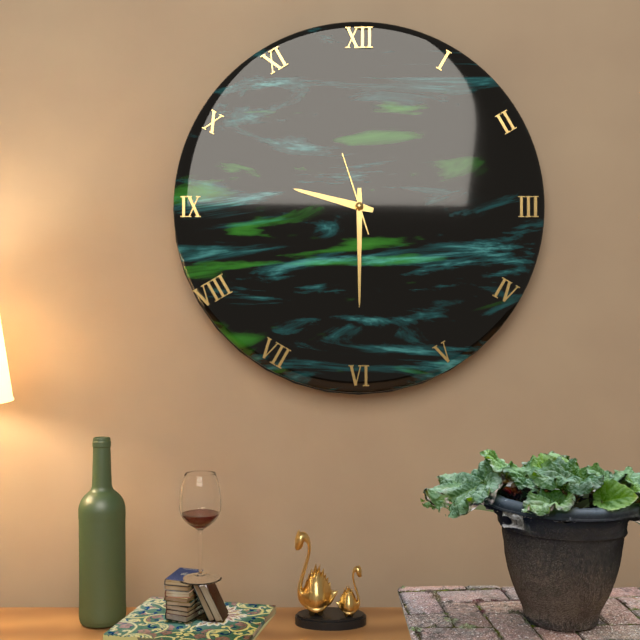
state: 9:30:57
